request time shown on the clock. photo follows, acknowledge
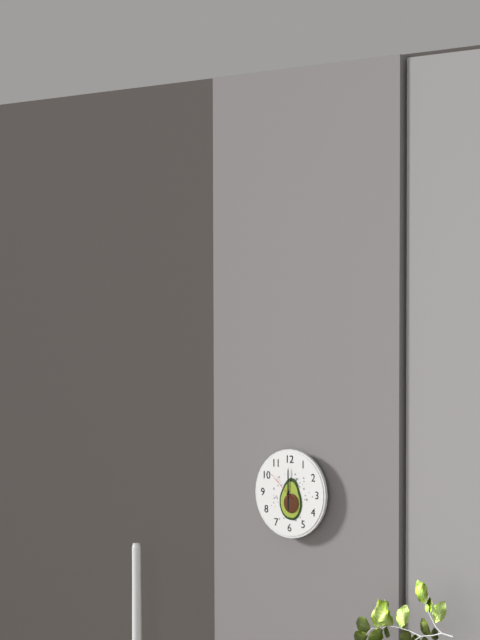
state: 6:00
